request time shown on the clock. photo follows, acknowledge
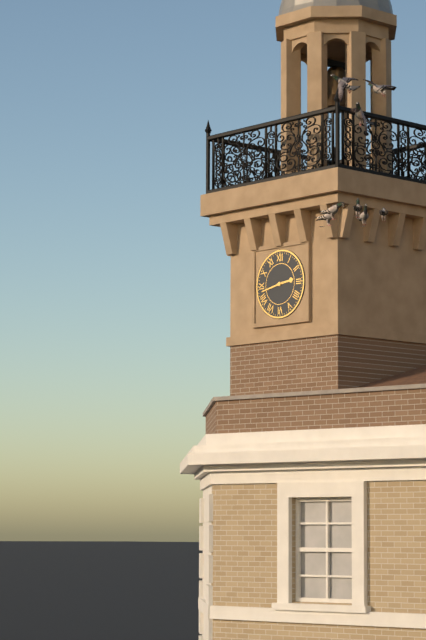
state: 2:43
